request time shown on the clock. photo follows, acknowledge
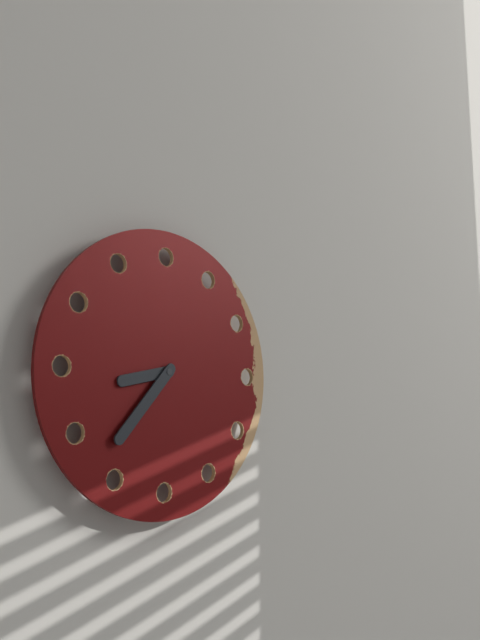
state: 8:37
